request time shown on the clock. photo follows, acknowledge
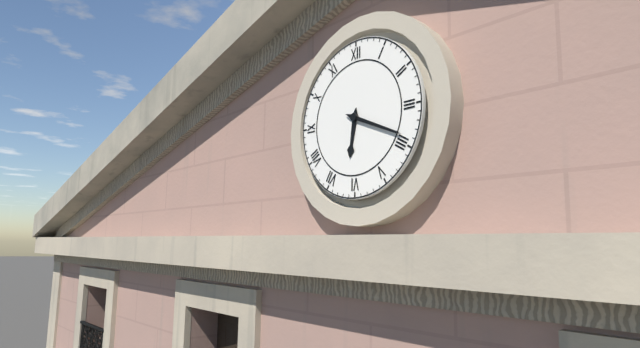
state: 6:19
